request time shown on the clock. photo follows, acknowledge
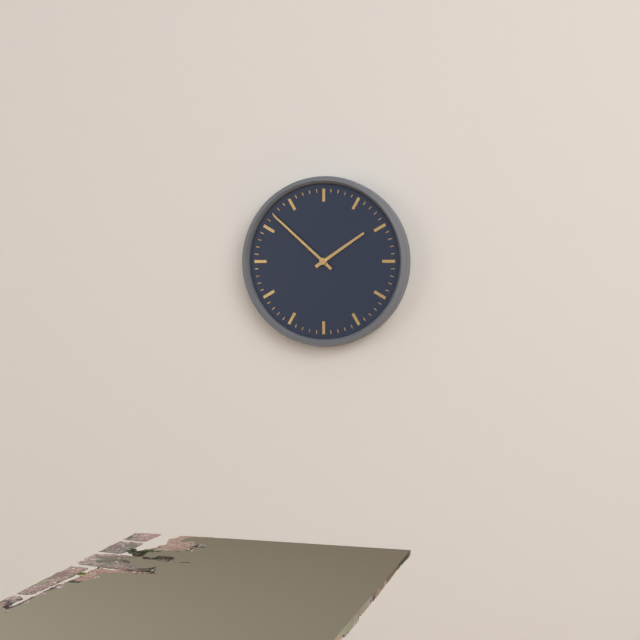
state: 1:52
